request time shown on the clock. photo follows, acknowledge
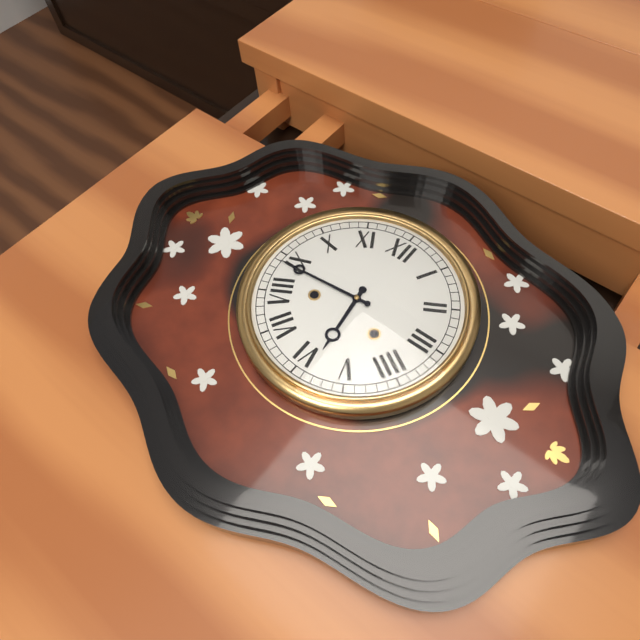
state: 5:44
